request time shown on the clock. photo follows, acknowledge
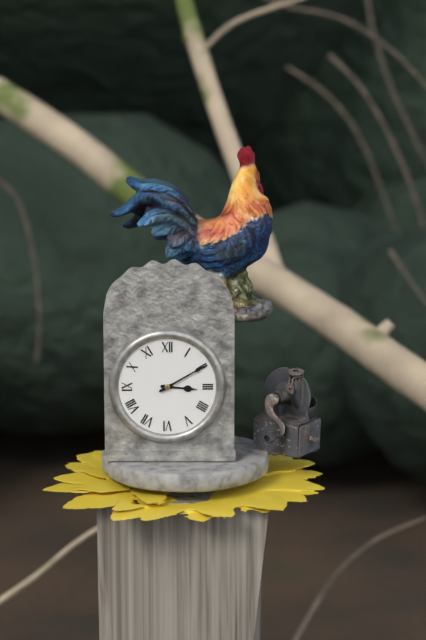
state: 3:10
